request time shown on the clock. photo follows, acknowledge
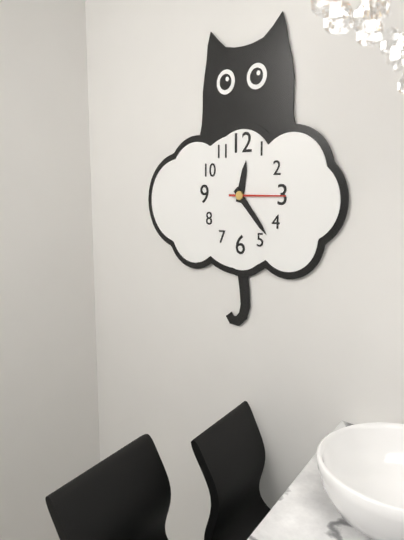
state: 12:23:15
